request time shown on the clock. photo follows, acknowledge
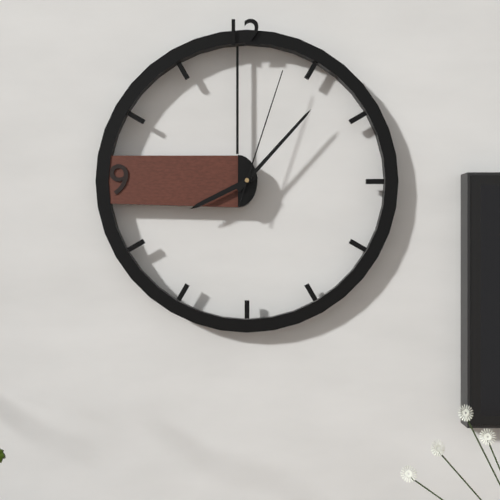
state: 8:07:03
